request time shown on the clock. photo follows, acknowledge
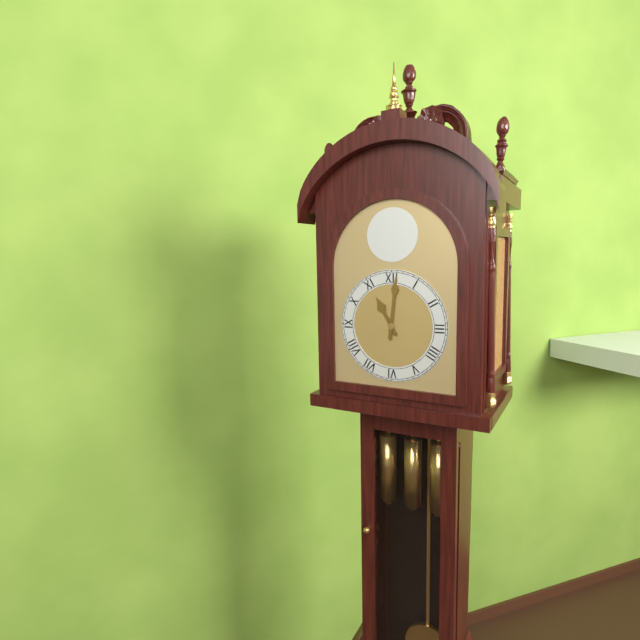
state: 11:01
